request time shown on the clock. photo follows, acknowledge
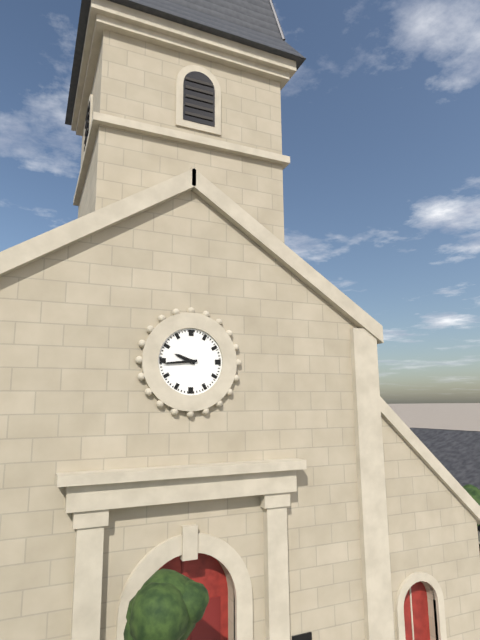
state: 9:44
